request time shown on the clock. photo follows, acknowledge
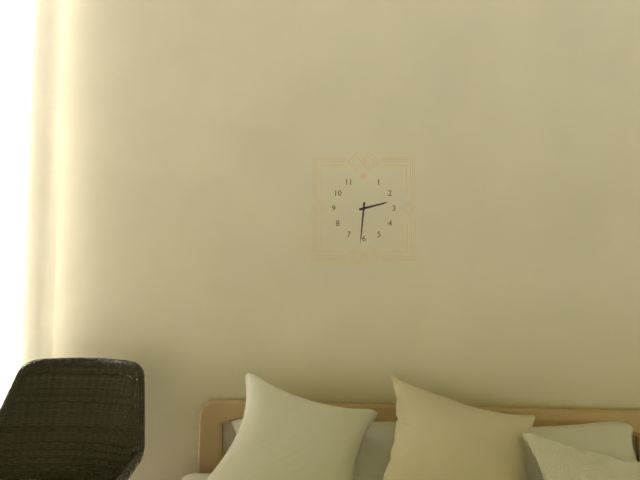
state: 2:31
